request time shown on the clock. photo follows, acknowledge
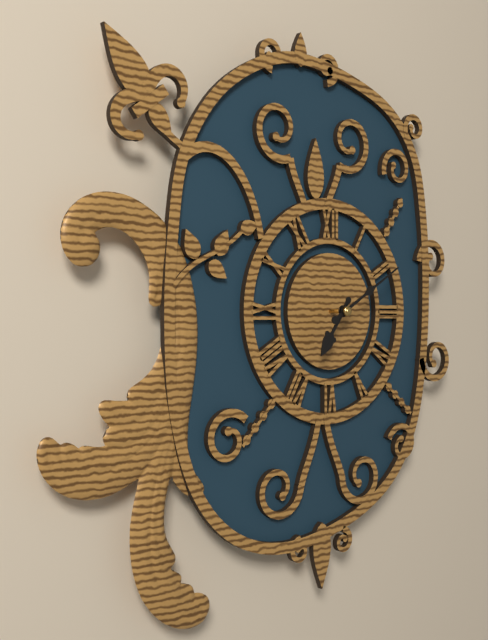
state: 7:10
